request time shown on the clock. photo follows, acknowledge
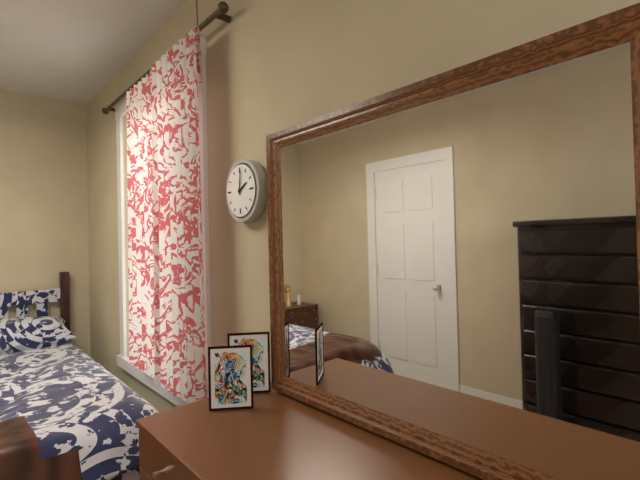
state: 2:01
